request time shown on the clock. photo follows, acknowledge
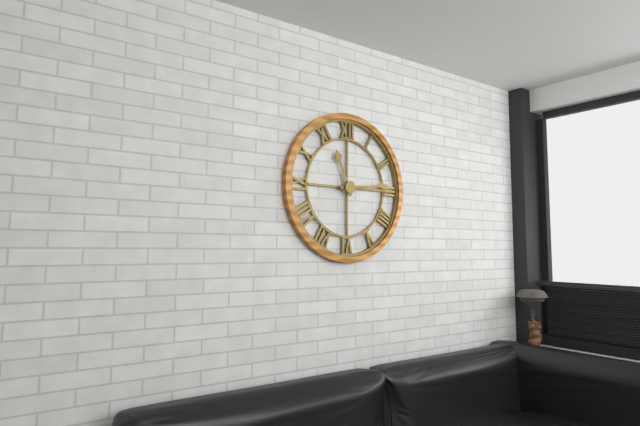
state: 11:14
